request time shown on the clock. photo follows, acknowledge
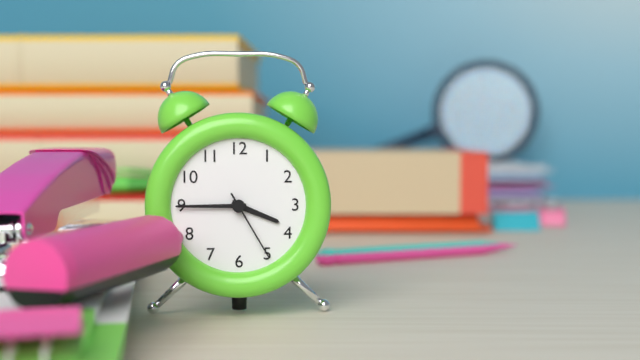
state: 3:45:25
